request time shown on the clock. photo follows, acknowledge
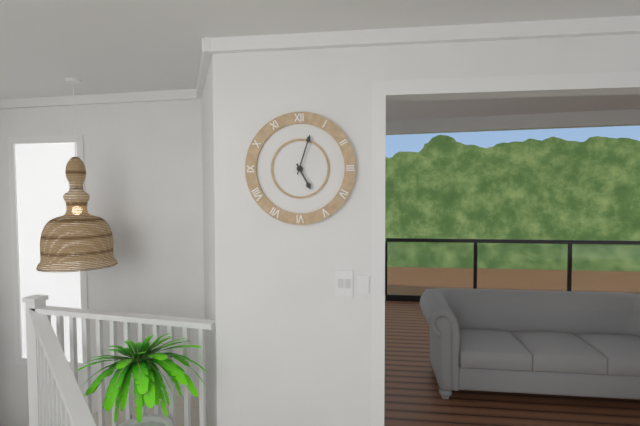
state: 5:03
